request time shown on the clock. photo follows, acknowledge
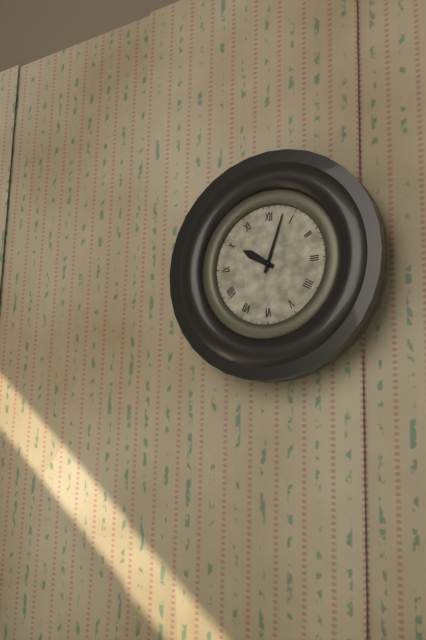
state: 10:03
